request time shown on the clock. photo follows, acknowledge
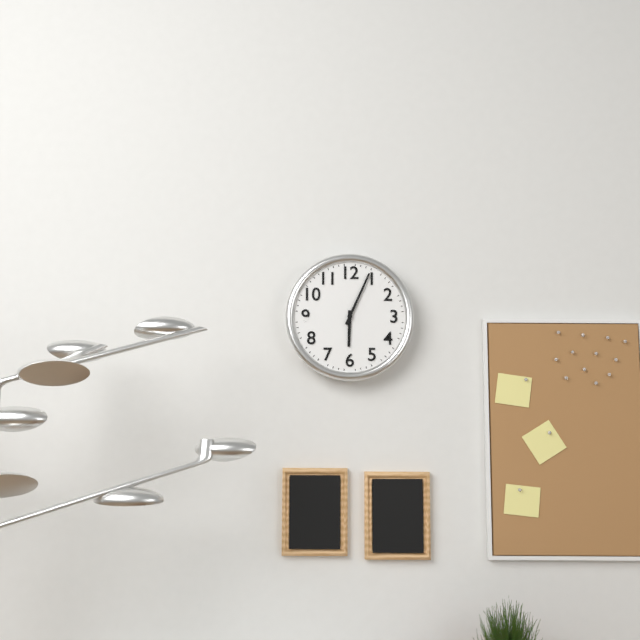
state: 6:04
